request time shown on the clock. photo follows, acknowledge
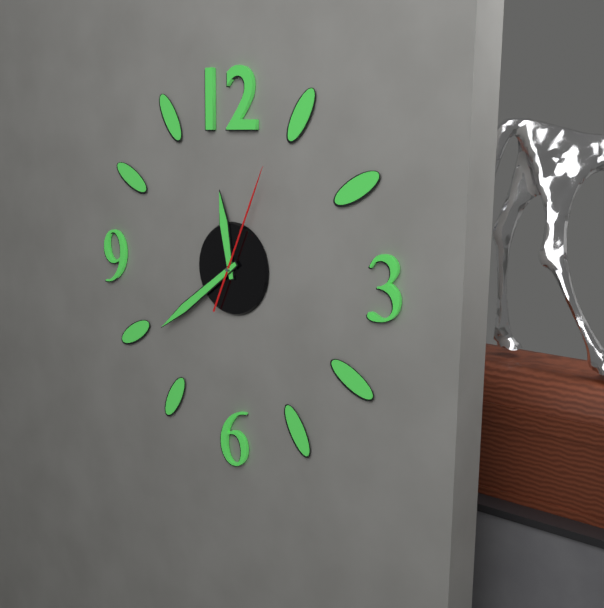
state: 11:39:04
